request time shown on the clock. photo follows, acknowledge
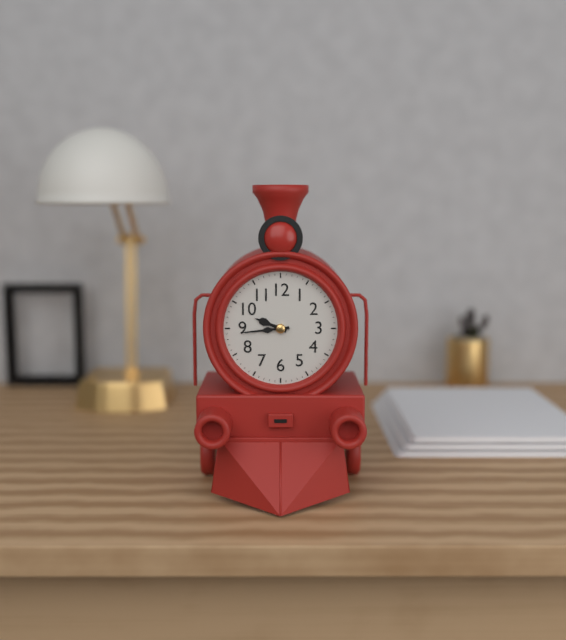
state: 9:44
